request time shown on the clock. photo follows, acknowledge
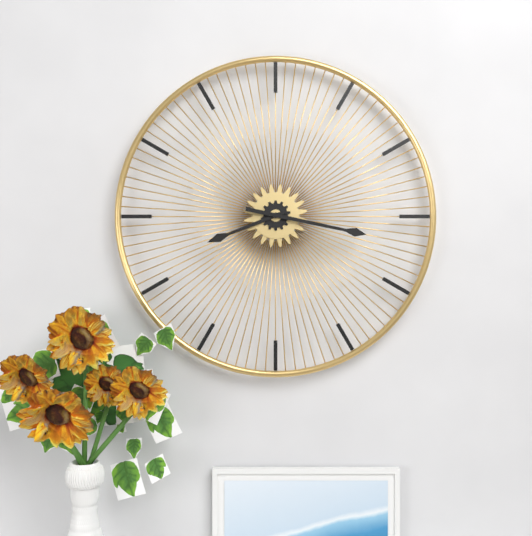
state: 8:17
